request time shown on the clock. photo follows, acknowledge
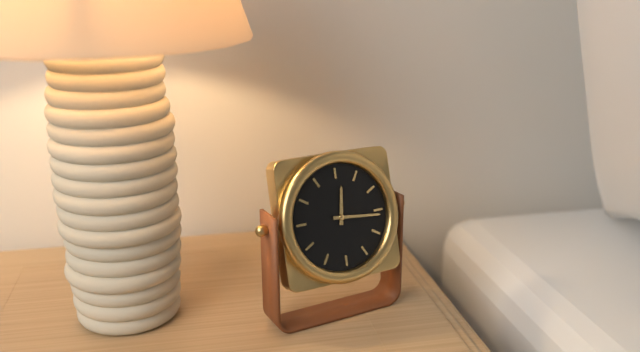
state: 12:16
